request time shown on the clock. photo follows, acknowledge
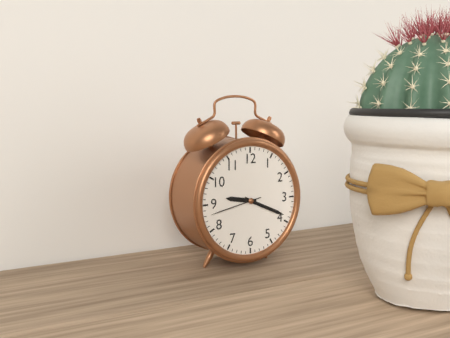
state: 9:19:43
